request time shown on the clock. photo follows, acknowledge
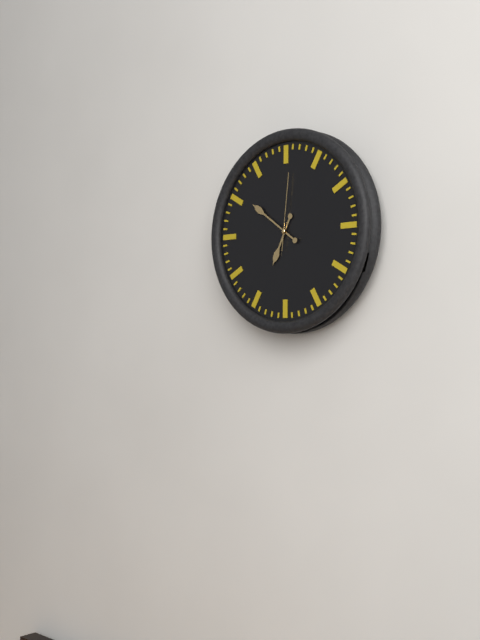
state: 6:51:01
